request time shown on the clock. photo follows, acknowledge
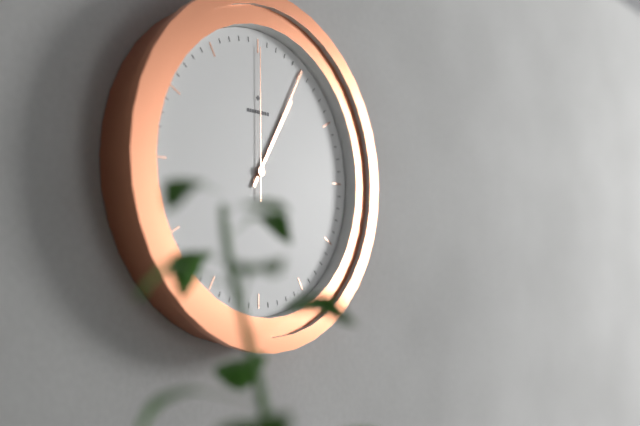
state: 1:05:00
